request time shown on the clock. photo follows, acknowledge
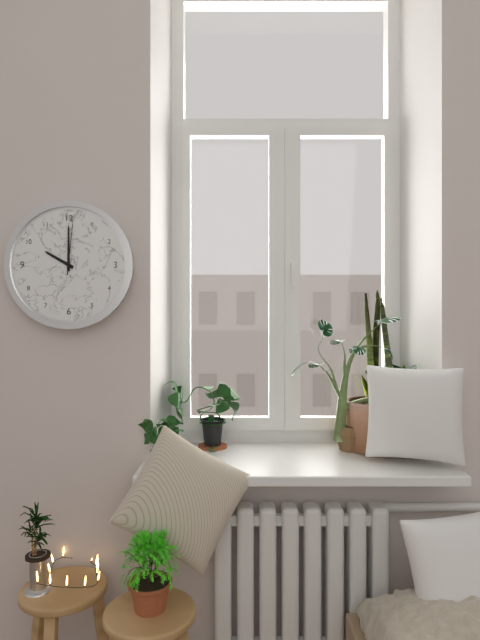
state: 10:00:01
